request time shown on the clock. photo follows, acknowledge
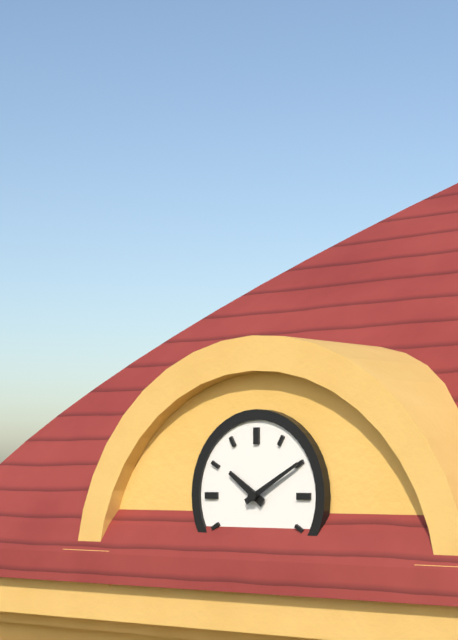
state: 10:10
